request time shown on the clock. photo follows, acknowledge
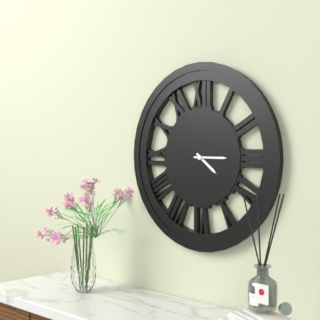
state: 4:15
